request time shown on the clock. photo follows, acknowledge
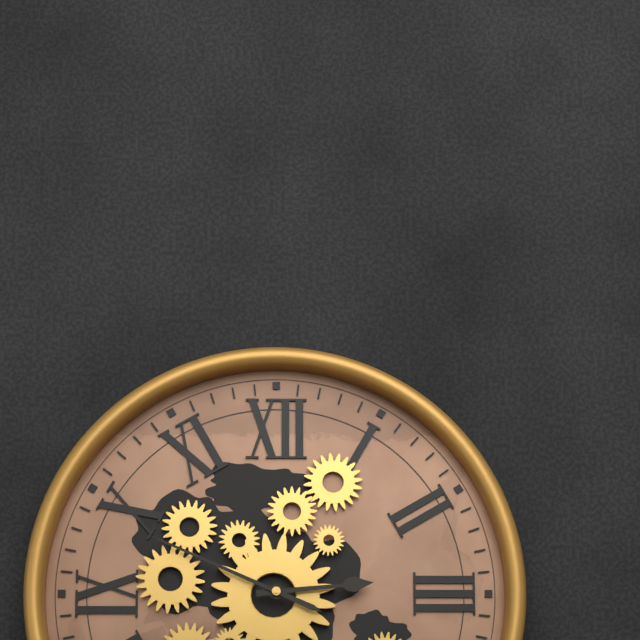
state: 2:49
